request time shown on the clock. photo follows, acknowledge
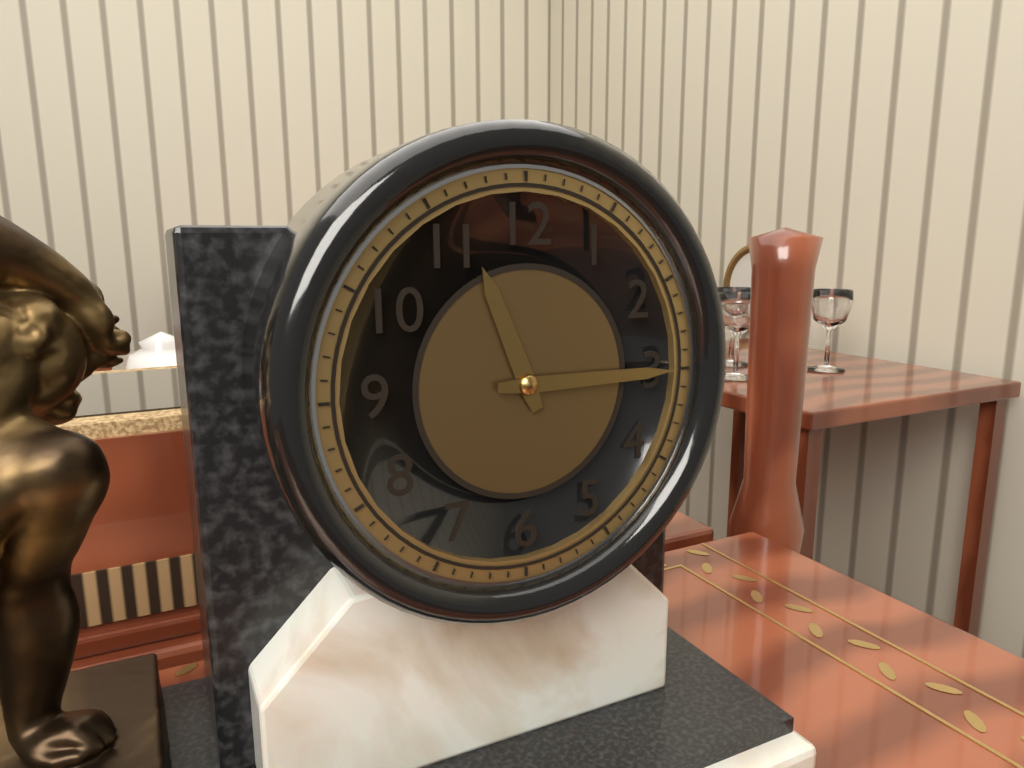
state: 11:15
